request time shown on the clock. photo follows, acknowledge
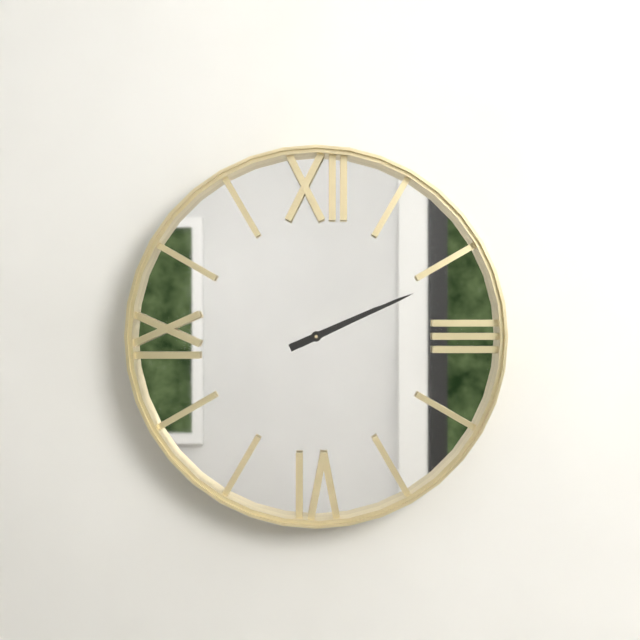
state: 2:11
